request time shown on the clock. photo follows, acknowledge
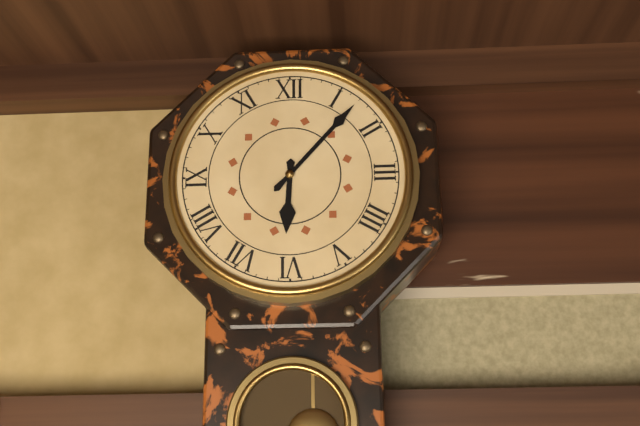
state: 6:07
